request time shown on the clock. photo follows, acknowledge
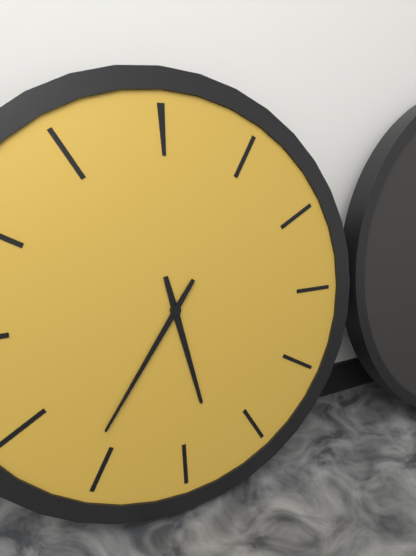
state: 5:36
